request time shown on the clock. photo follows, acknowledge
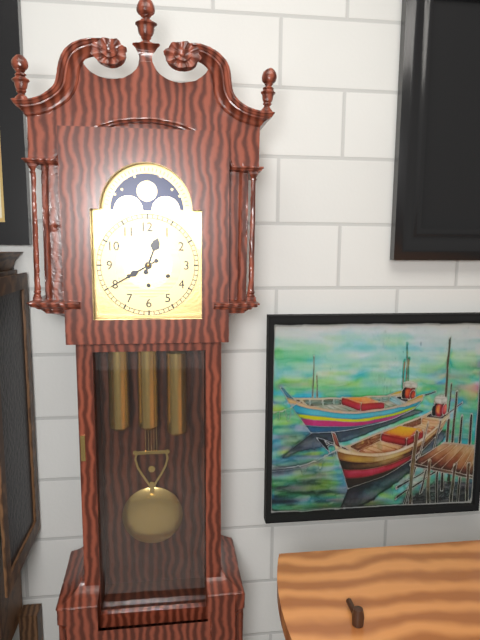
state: 12:40
